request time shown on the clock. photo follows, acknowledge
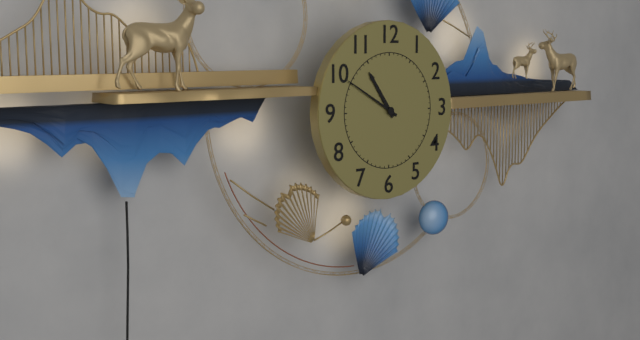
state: 10:50
